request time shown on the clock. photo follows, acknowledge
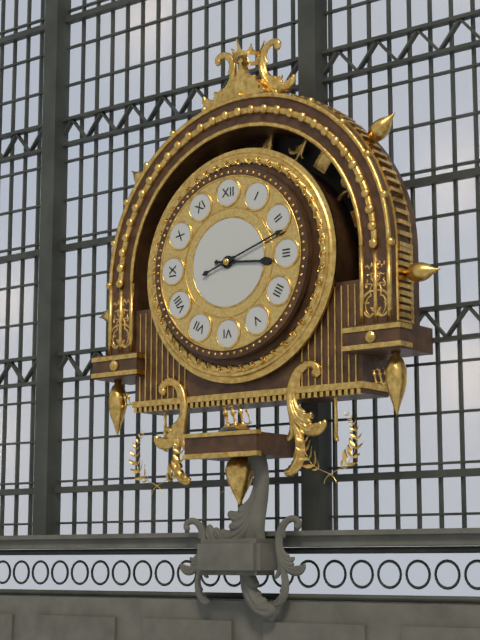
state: 3:12
